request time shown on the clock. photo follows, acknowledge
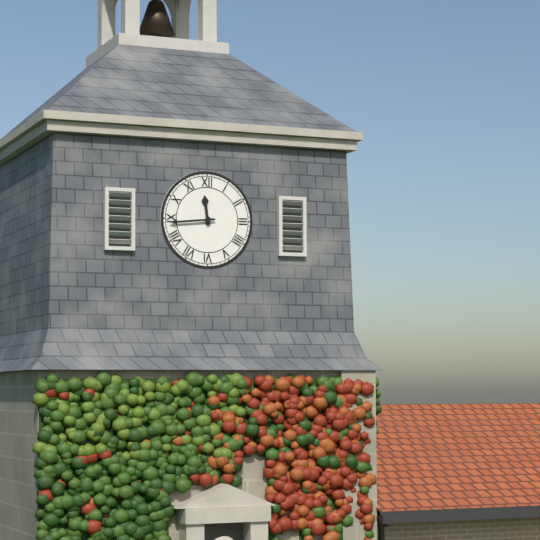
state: 11:44
